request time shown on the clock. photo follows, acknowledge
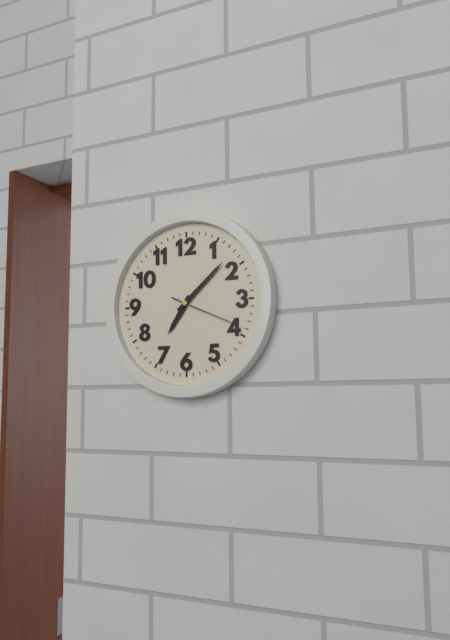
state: 7:08:19
